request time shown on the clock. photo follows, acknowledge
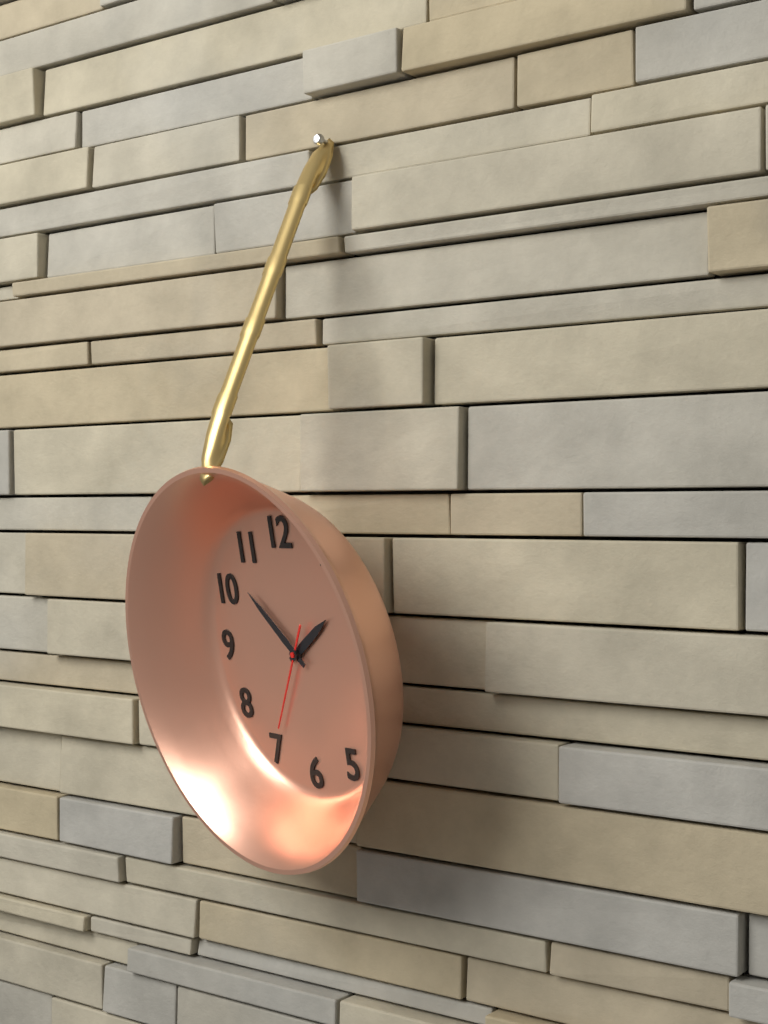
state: 1:52:35
